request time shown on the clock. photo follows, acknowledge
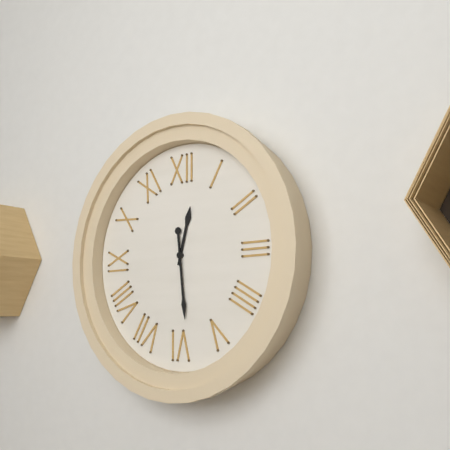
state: 12:29
